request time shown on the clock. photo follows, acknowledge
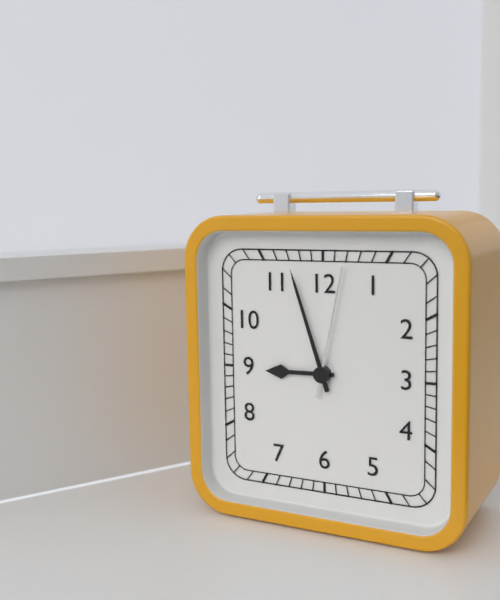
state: 8:57:02
